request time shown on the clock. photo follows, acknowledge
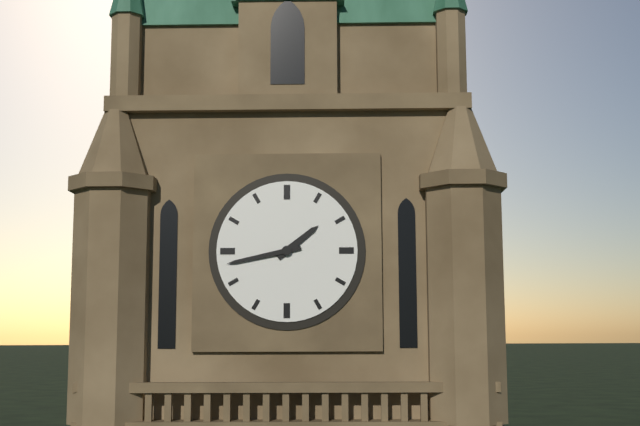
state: 1:43
